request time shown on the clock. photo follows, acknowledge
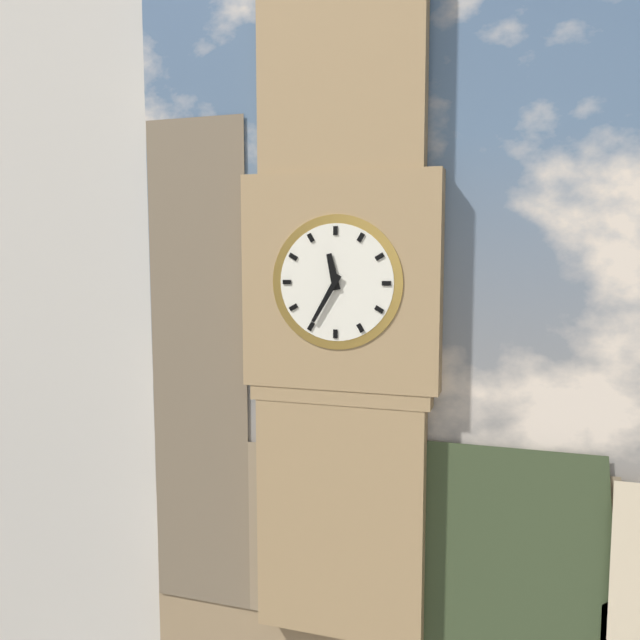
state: 11:35
